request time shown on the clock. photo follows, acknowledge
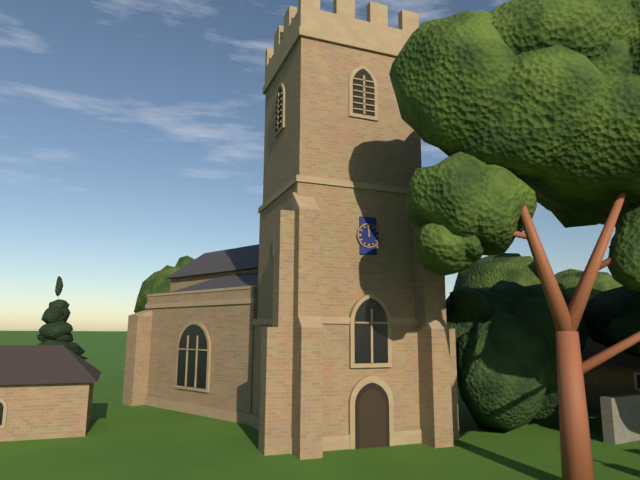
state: 11:59
